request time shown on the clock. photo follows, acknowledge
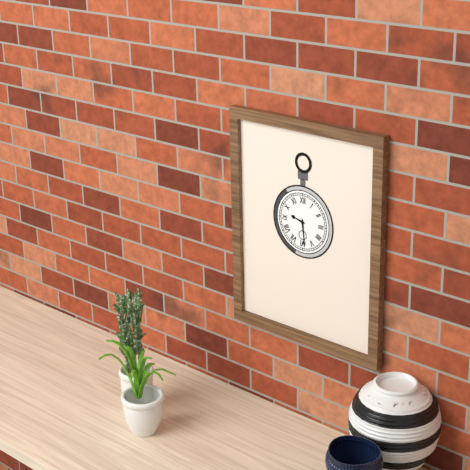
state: 9:29
